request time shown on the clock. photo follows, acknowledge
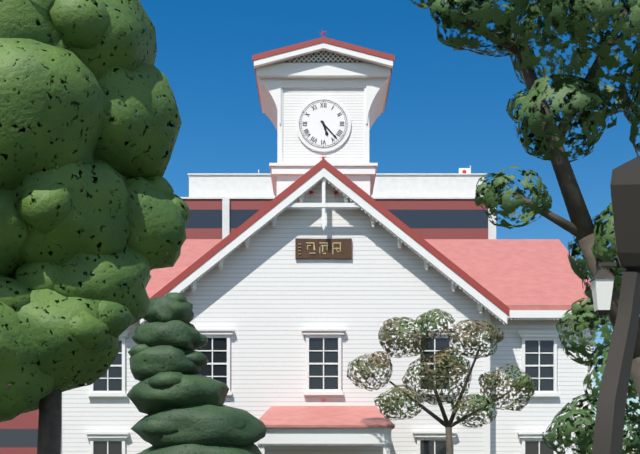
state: 5:23
